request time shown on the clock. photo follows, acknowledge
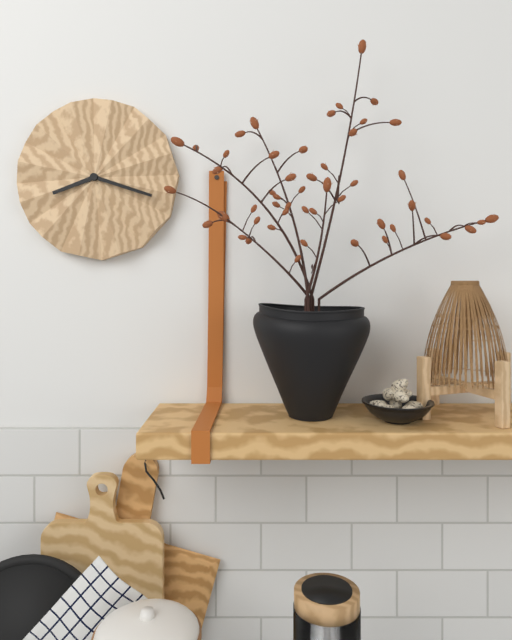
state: 8:18
